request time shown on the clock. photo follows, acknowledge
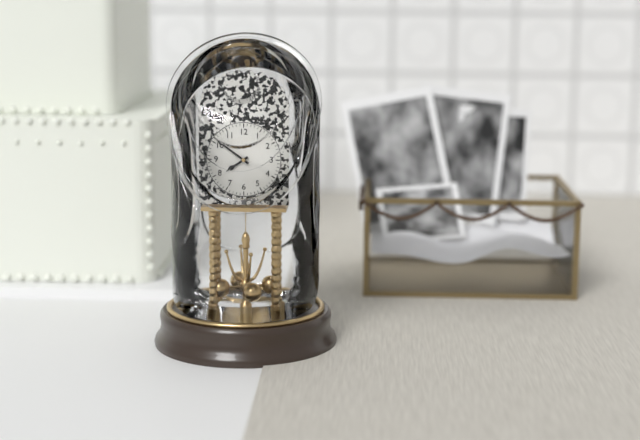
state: 7:51
